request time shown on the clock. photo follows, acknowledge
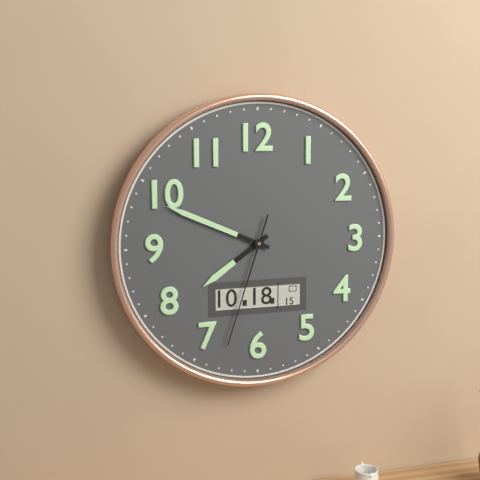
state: 7:49:33
